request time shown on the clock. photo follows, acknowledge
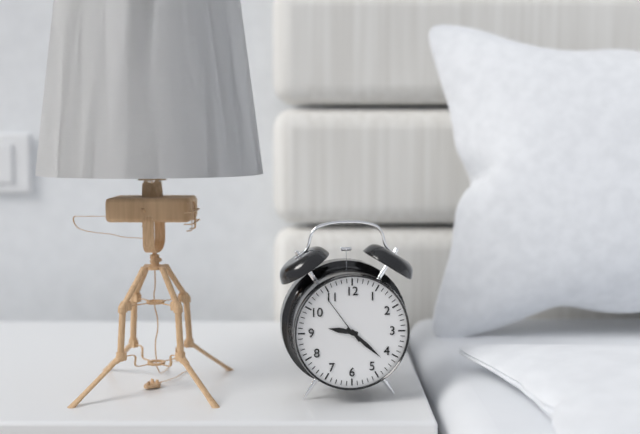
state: 9:22
